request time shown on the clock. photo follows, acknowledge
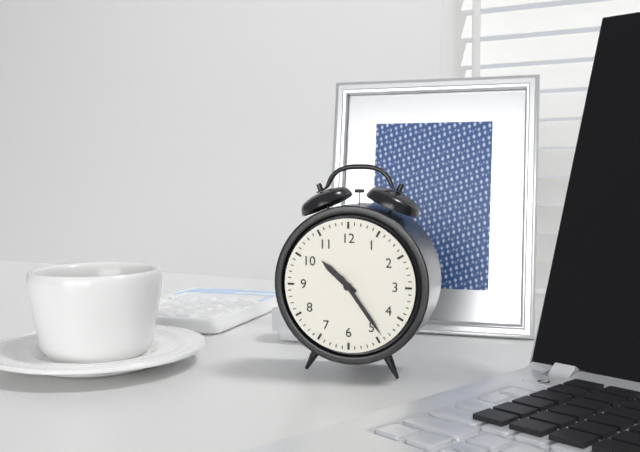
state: 10:24
